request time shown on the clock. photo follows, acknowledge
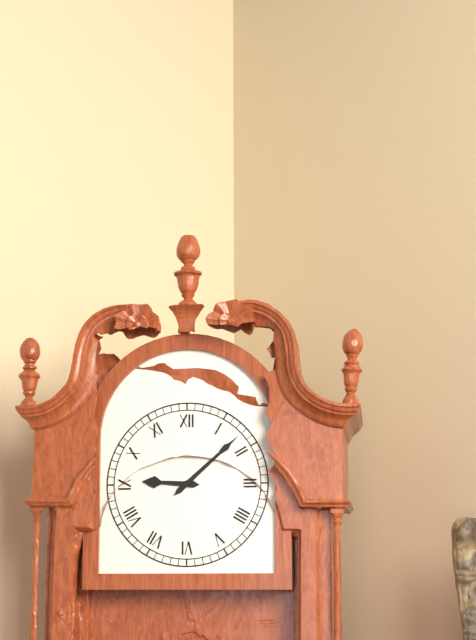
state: 9:08
